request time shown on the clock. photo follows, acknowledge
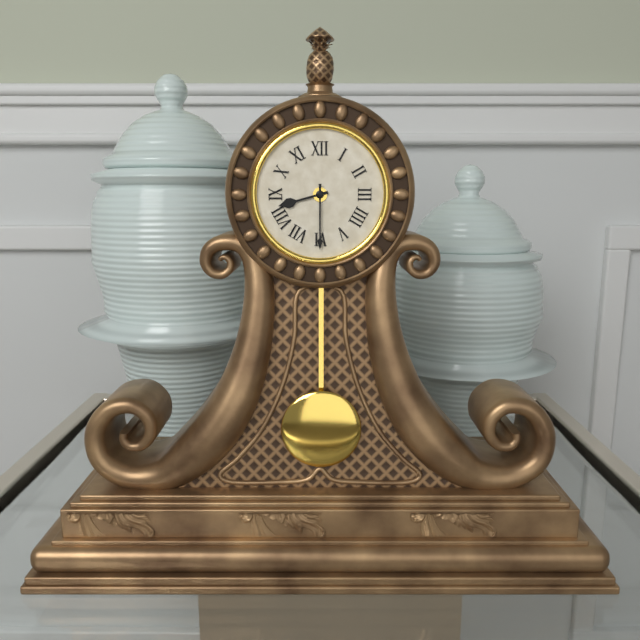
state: 8:30
